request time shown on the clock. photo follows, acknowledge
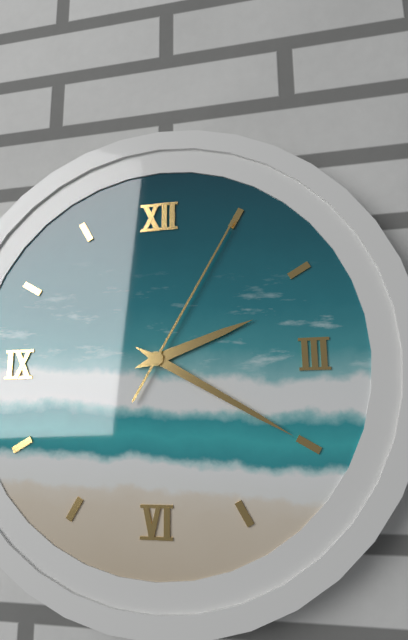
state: 2:20:05
